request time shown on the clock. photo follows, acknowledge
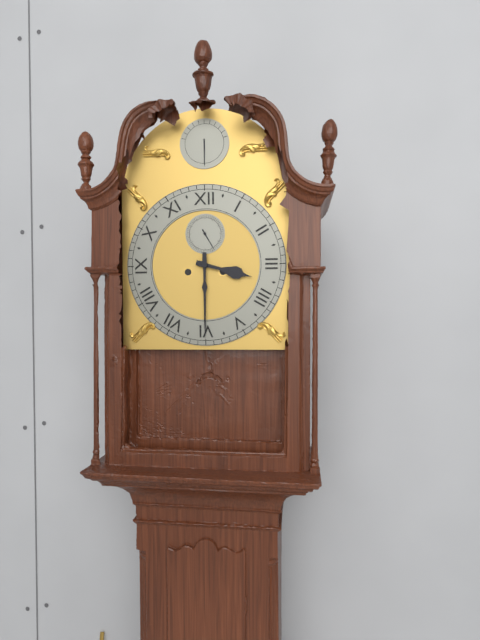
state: 3:30
